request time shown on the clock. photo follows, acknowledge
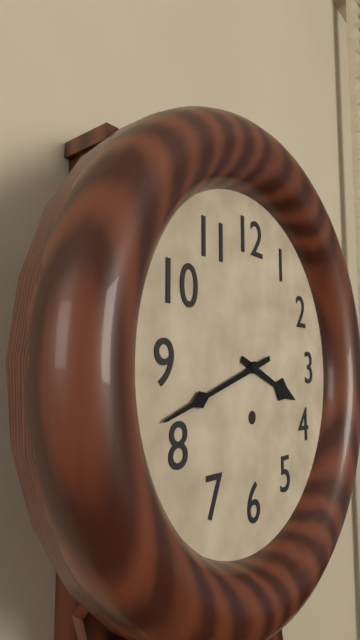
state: 3:42
